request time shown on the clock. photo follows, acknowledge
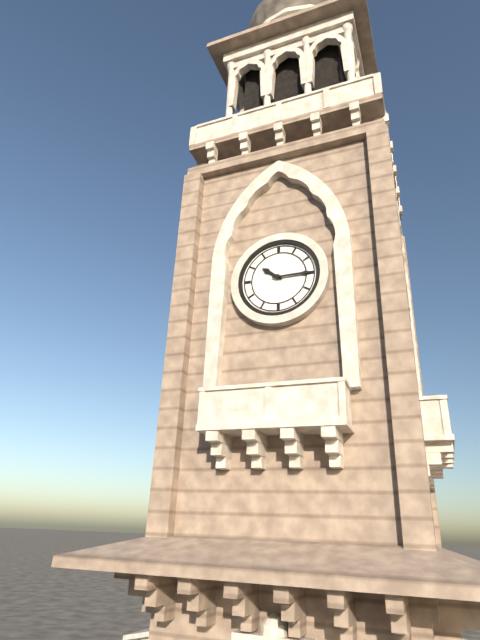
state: 10:15
